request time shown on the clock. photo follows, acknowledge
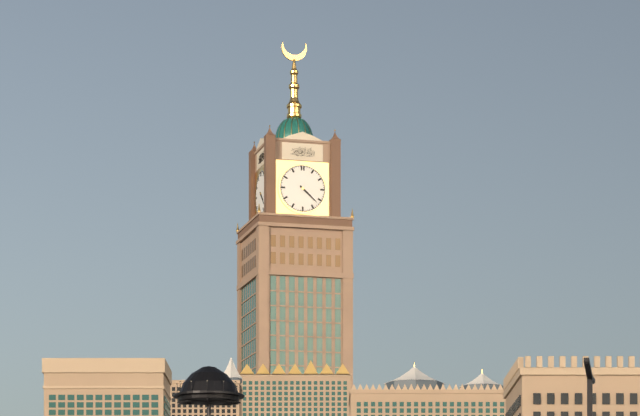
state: 4:22
